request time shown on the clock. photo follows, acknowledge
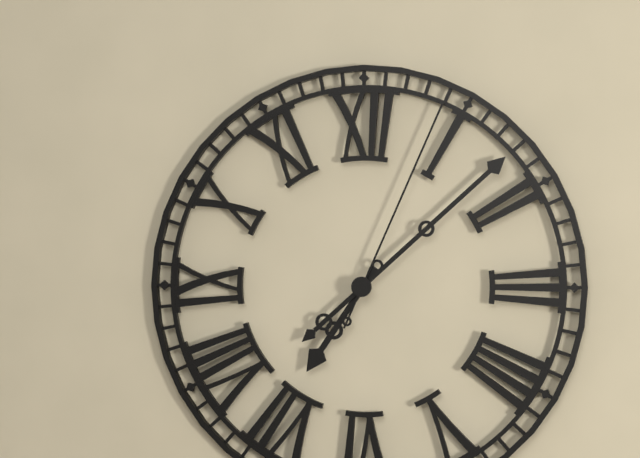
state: 7:08:04
